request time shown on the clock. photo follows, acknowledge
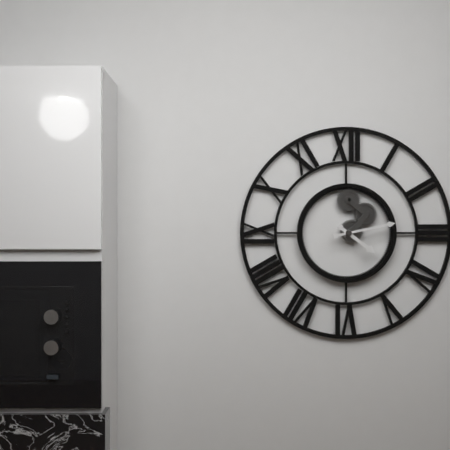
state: 4:13
